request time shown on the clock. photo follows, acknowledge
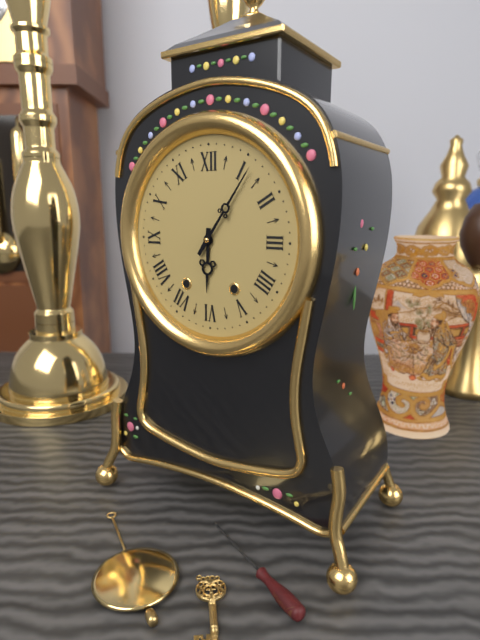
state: 6:06
